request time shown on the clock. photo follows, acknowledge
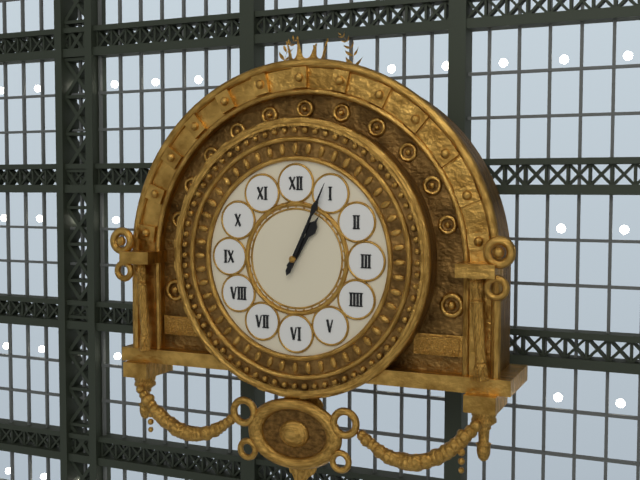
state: 1:04
